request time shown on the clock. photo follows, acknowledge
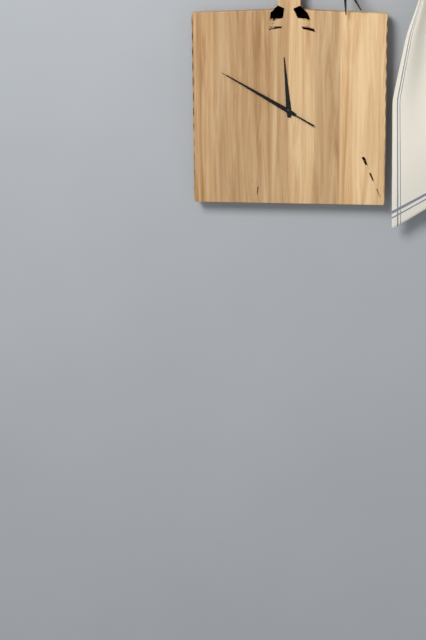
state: 11:50:50
